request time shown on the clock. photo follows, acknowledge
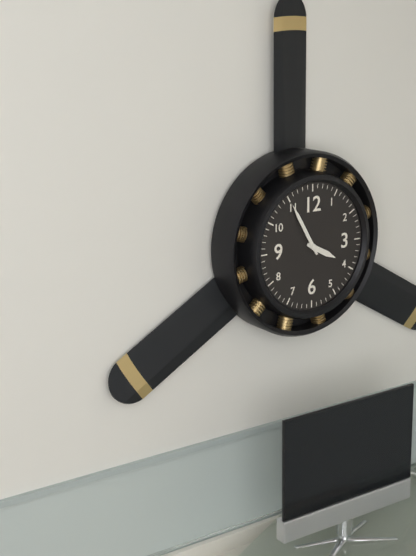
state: 3:55
